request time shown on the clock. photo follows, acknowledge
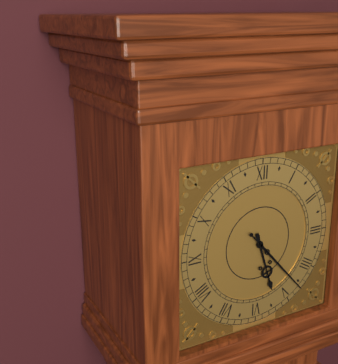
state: 5:23
